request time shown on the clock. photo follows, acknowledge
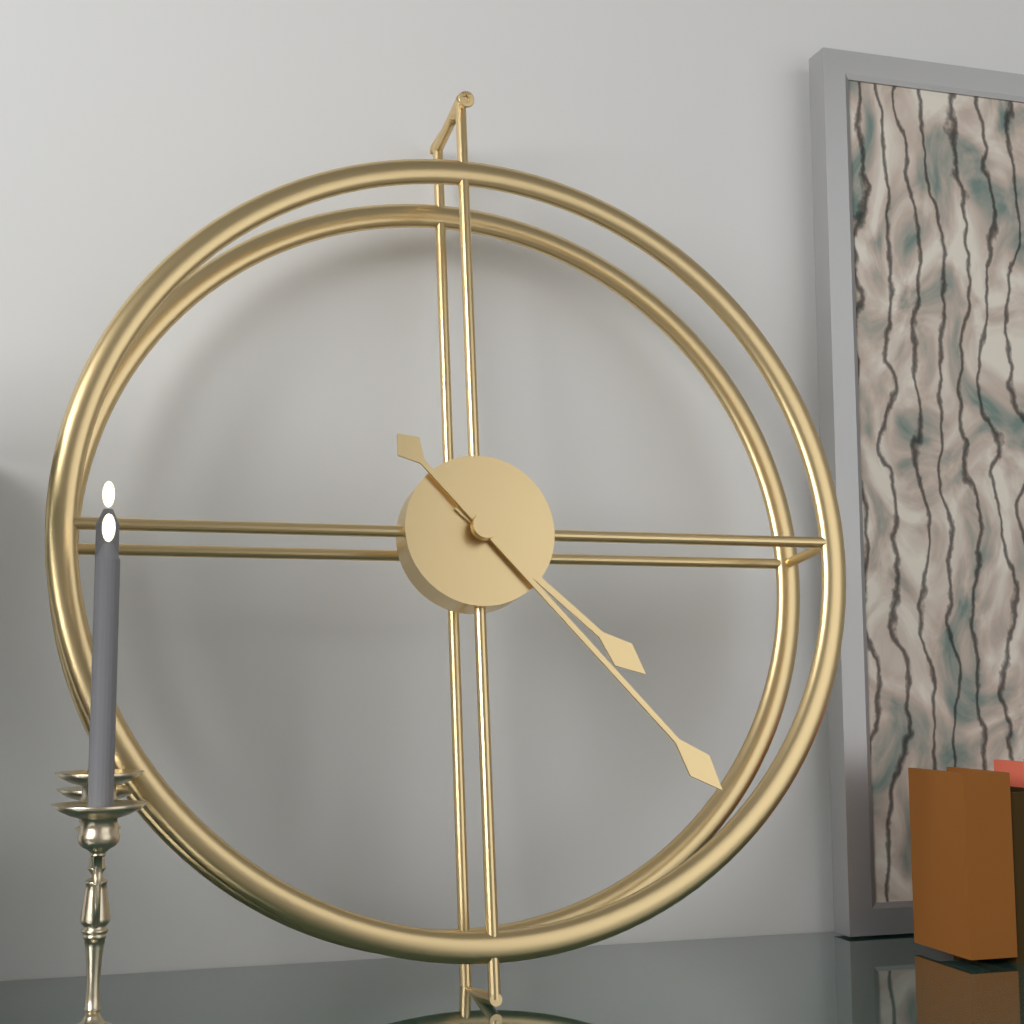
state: 4:23
